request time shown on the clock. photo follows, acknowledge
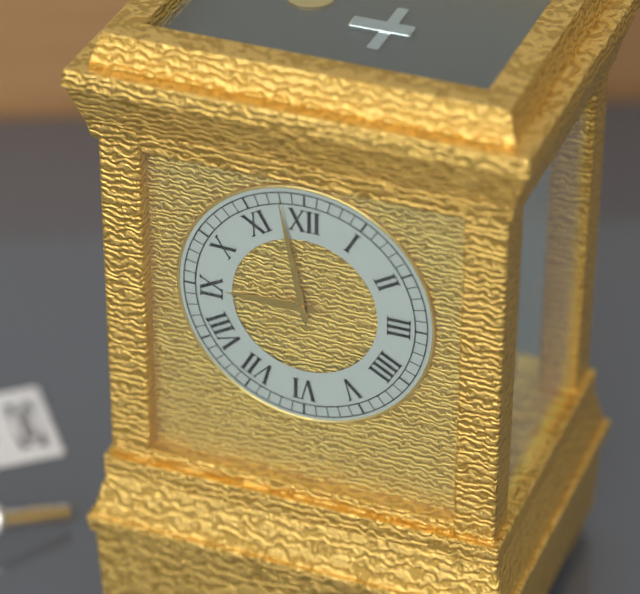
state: 8:58
